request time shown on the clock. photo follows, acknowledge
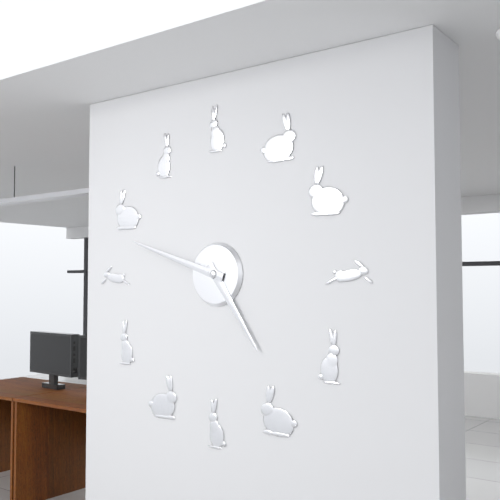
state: 4:48
